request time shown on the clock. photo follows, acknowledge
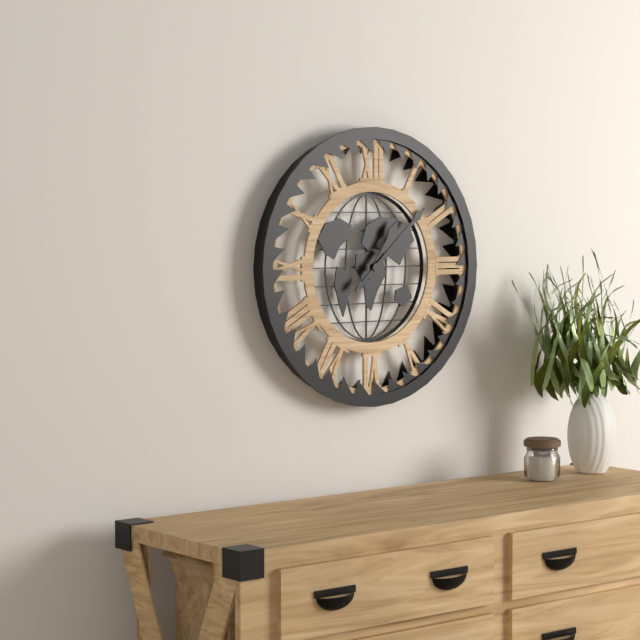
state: 1:08
